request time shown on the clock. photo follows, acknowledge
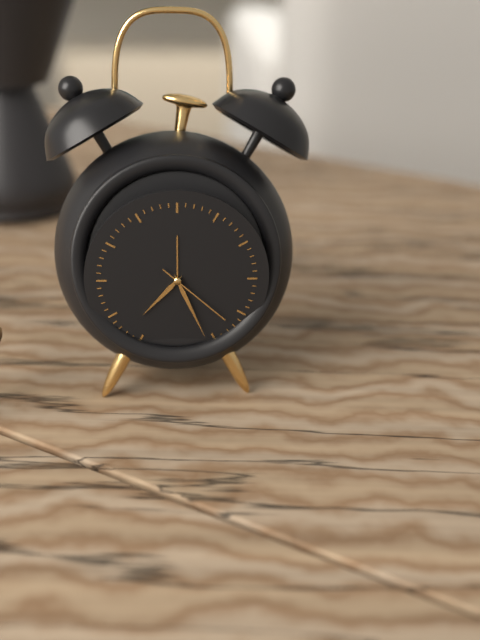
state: 7:26:22
